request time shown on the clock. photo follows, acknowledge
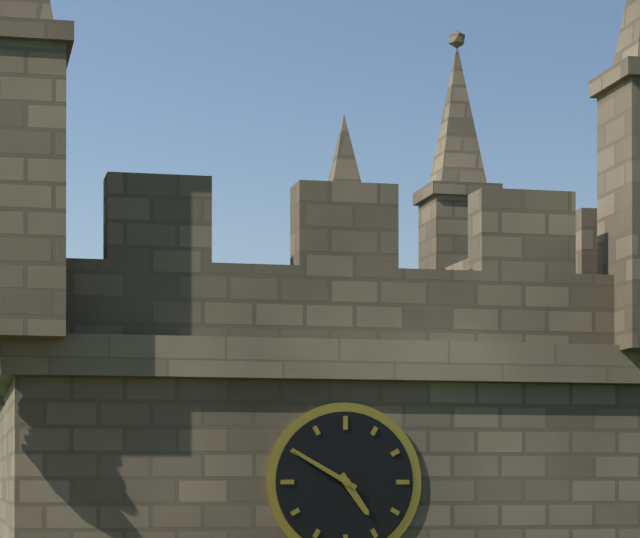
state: 4:50
